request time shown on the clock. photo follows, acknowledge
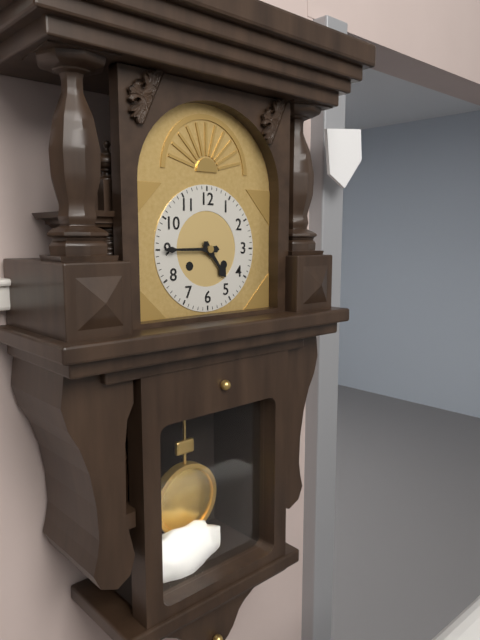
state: 4:45
